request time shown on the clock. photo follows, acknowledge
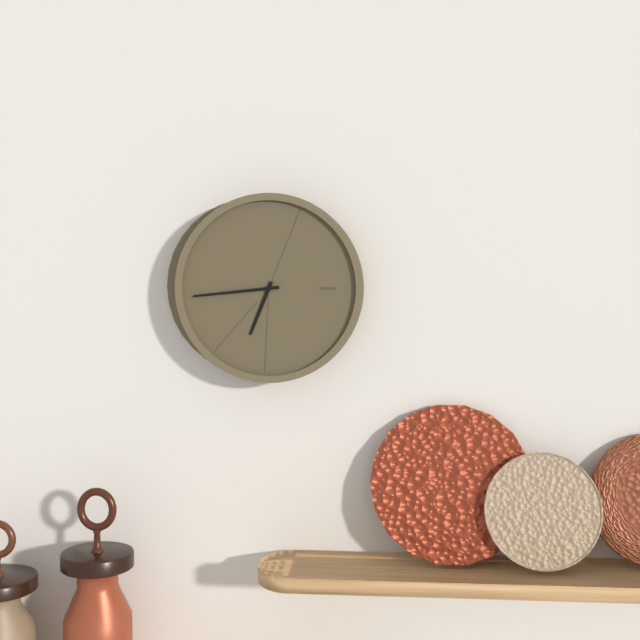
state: 6:44
